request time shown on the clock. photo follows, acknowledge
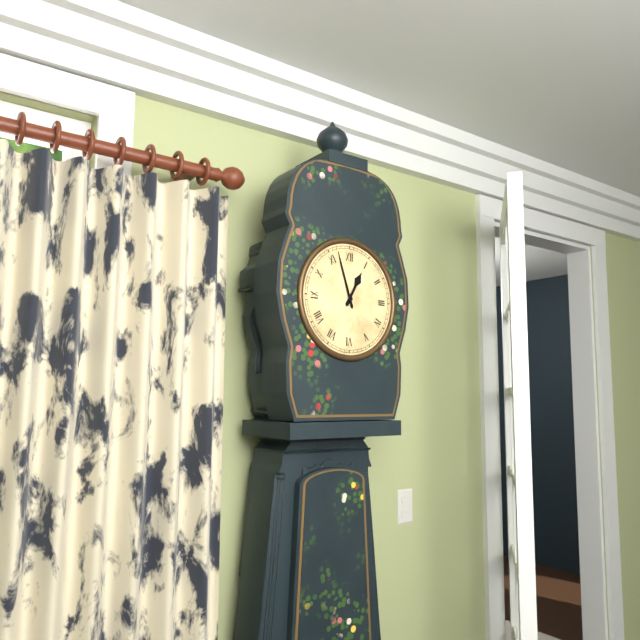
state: 12:57
